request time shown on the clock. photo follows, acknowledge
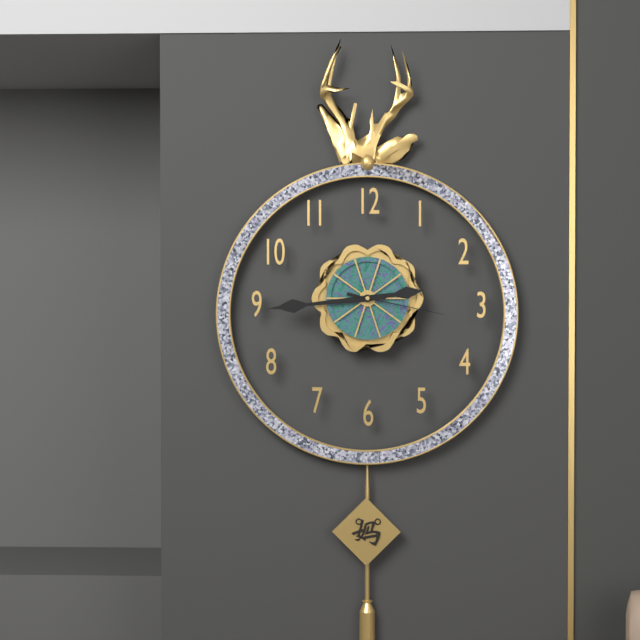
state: 2:44:17
